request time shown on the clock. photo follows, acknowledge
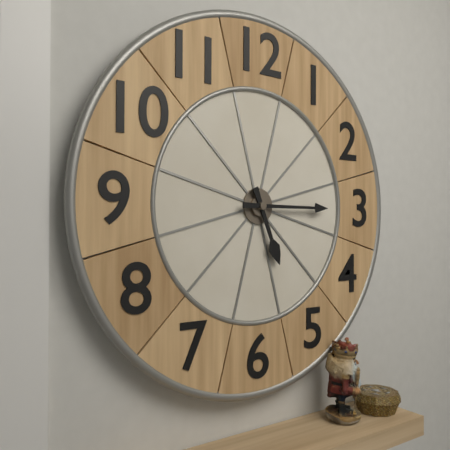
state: 5:15
